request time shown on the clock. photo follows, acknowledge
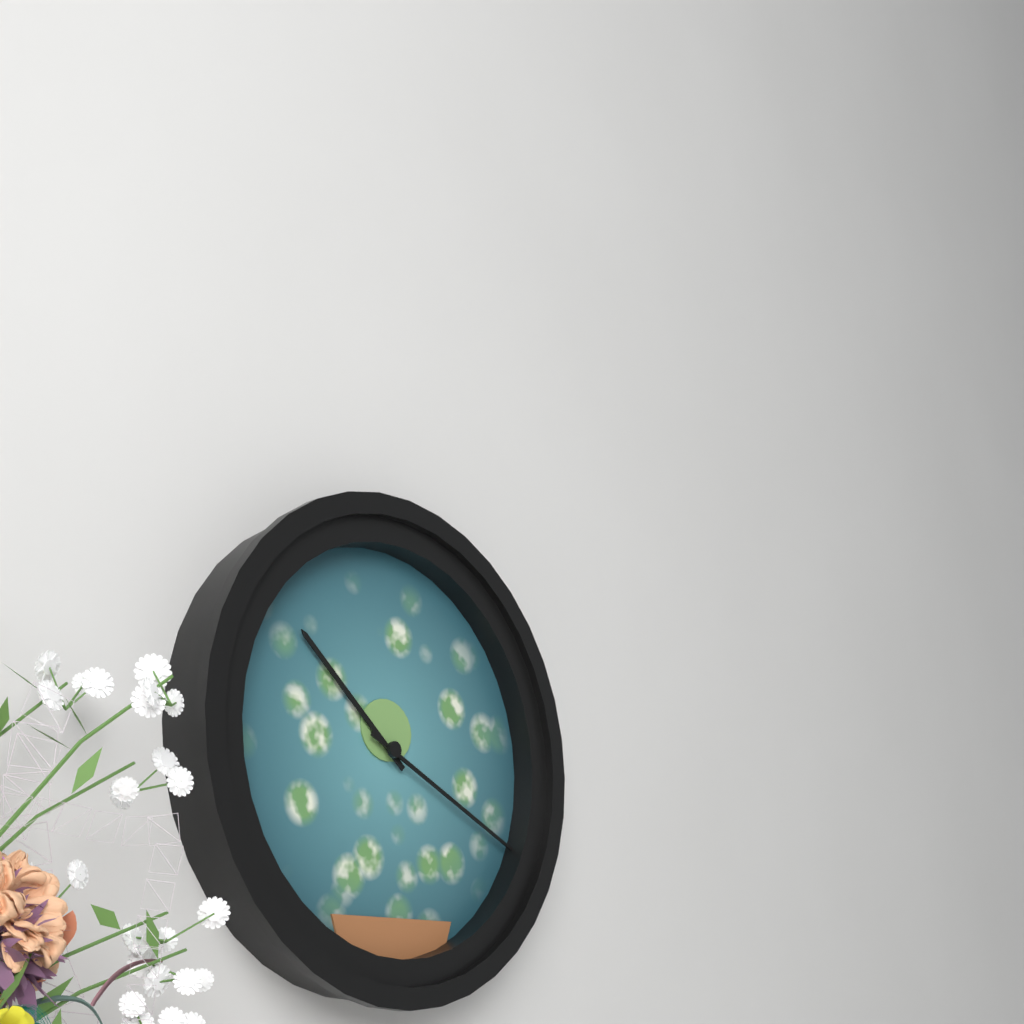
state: 10:19
